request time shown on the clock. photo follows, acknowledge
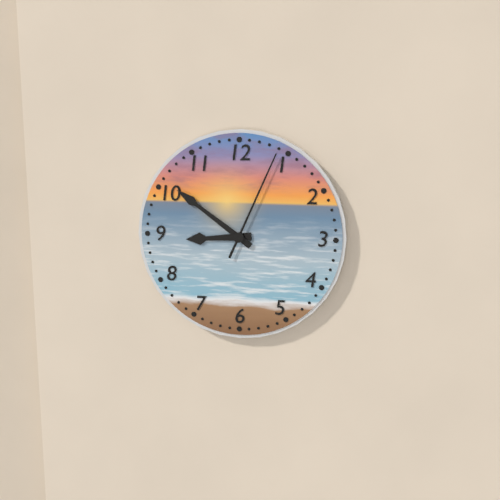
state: 8:51:04
